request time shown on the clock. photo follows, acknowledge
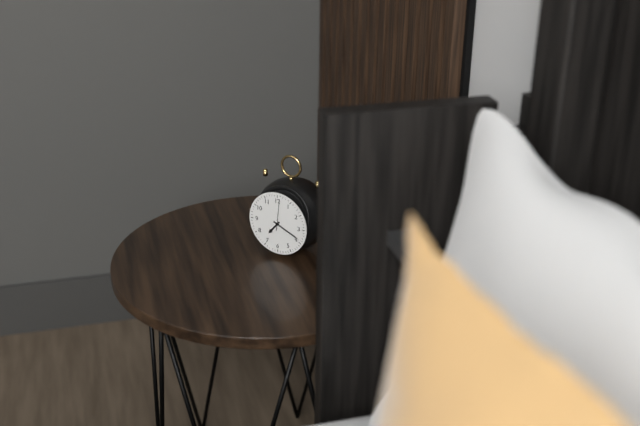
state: 7:19
